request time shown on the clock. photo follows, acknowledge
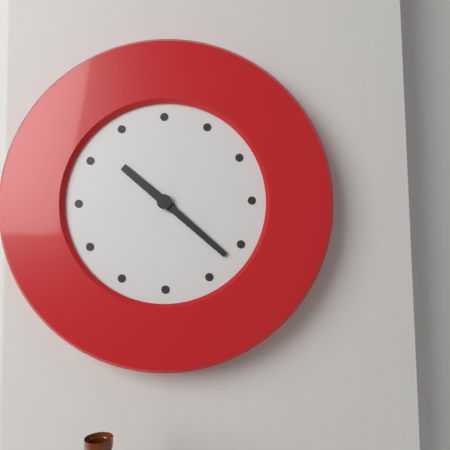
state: 10:22
